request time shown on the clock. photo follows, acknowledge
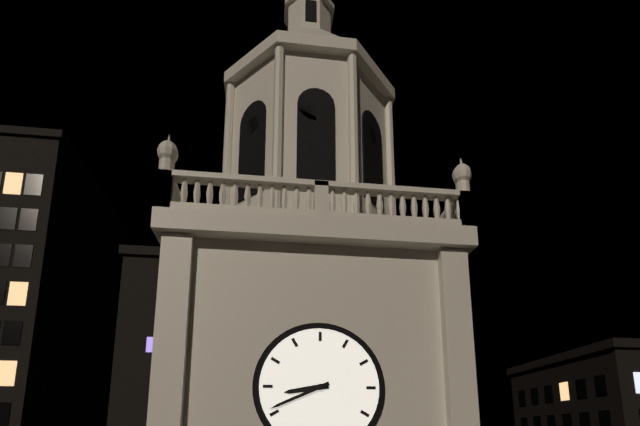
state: 8:41
